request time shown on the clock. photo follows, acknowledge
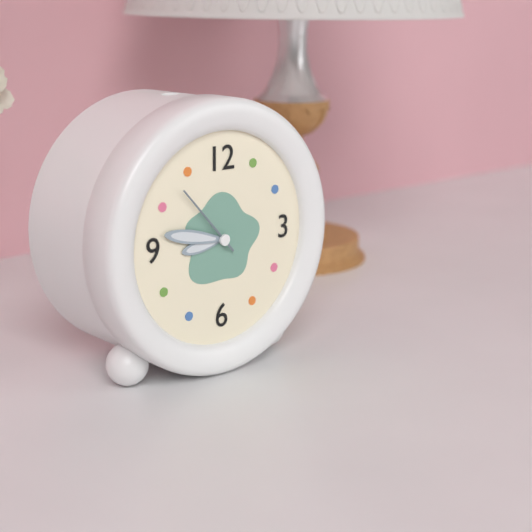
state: 8:47:53
